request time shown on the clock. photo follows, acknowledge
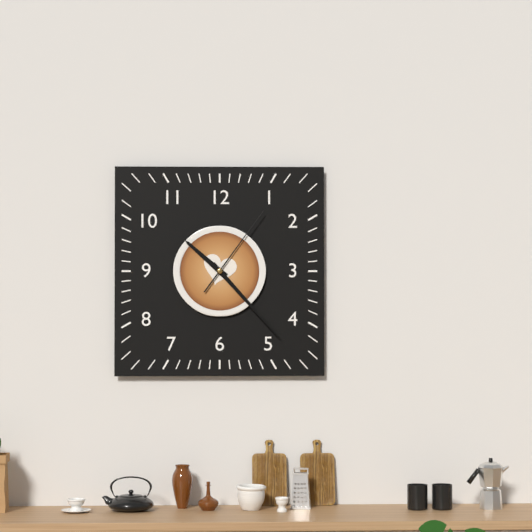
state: 10:23:06
